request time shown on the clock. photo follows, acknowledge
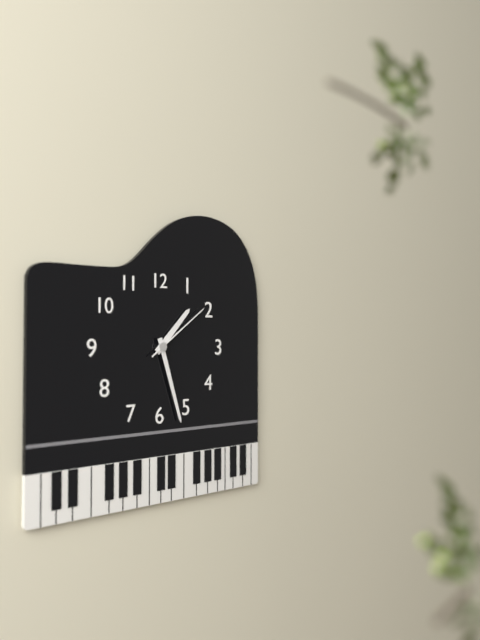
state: 1:27:09
